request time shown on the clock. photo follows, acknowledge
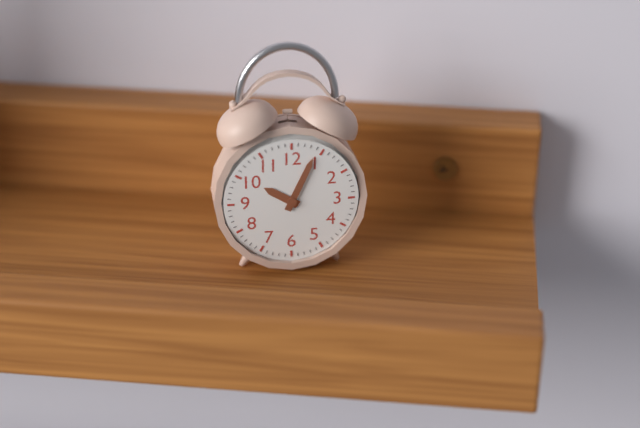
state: 10:04
